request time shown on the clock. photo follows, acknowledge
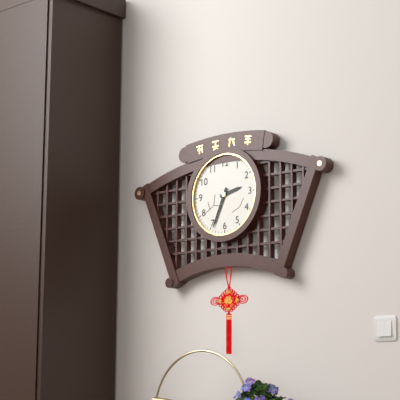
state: 2:34
